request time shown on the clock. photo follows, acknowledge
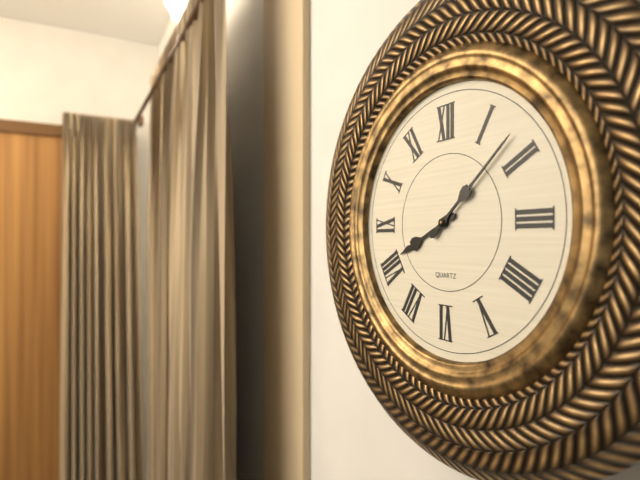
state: 8:08
